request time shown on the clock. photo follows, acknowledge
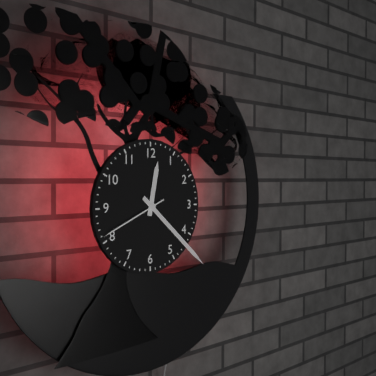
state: 12:22:41
